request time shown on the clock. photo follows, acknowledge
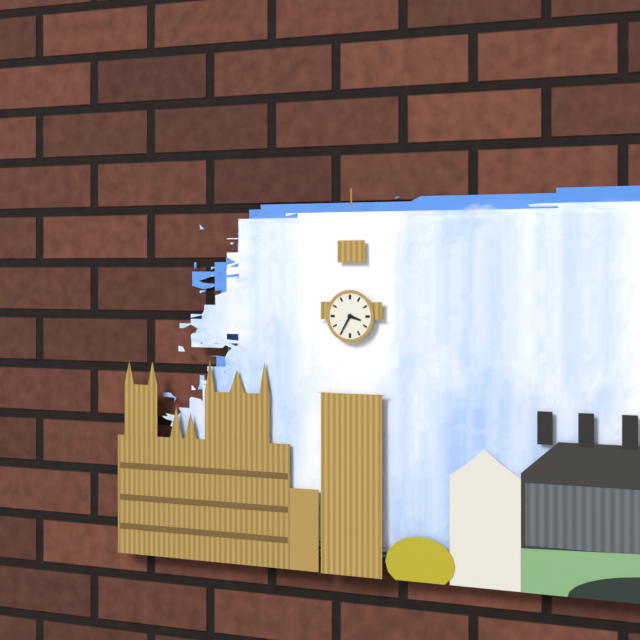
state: 3:35
